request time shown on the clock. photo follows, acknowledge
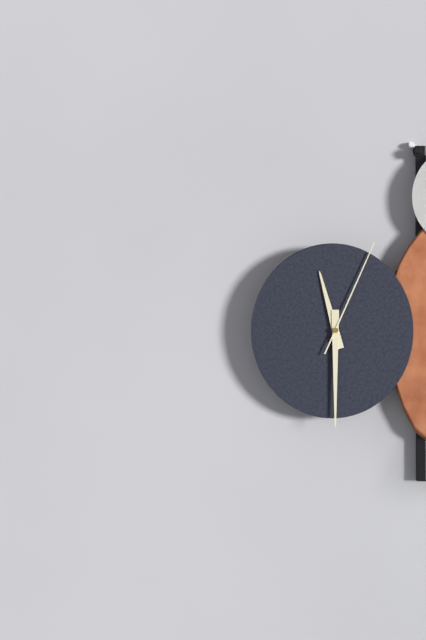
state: 11:30:04
